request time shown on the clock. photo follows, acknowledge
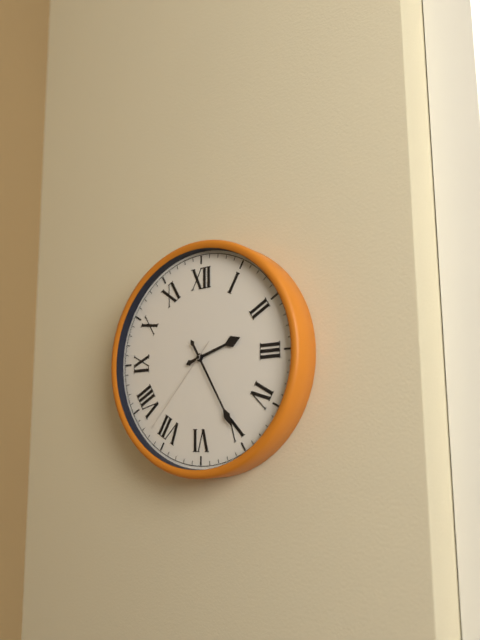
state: 2:25:37
